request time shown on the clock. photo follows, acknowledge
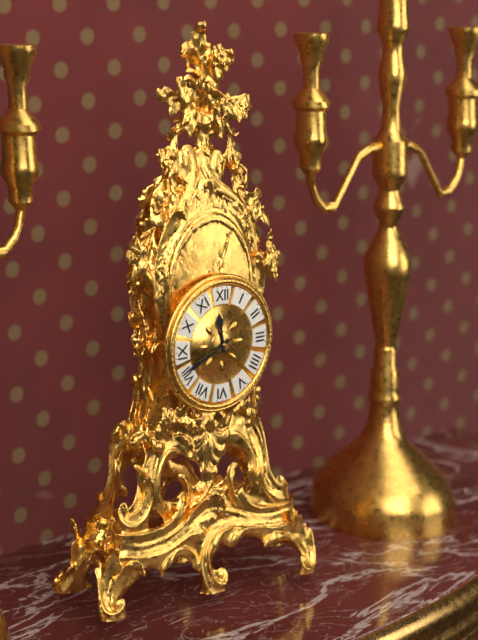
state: 11:41
